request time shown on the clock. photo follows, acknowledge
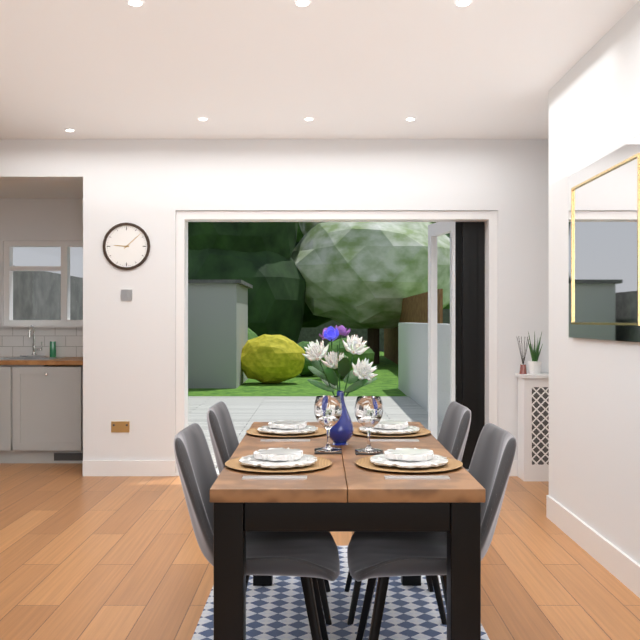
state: 9:08
